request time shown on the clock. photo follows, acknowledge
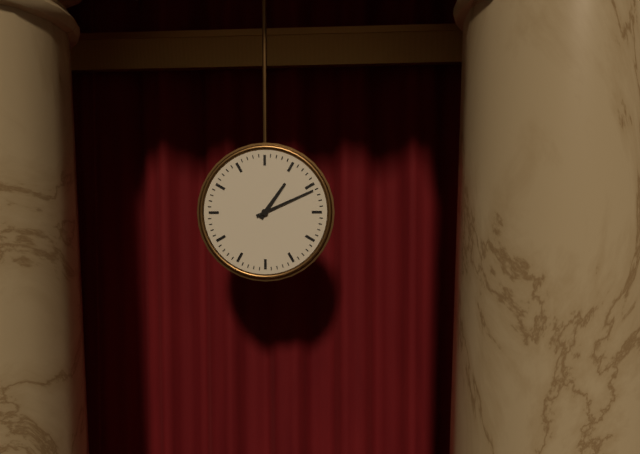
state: 1:11
